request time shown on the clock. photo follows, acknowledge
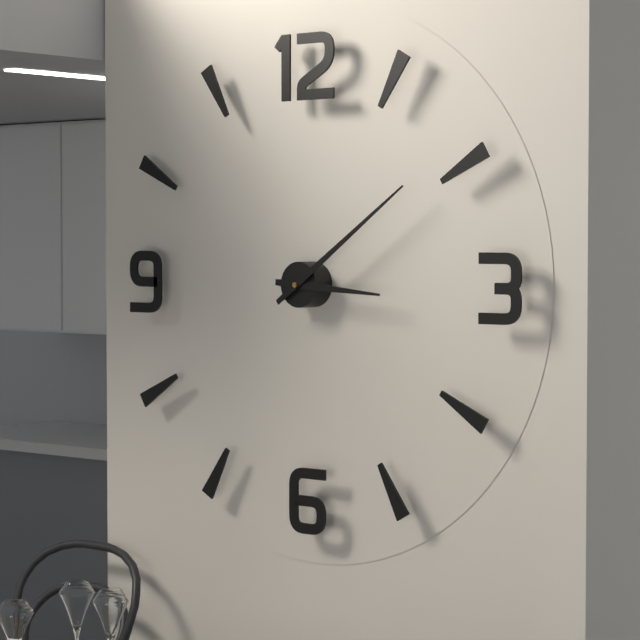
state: 3:09
